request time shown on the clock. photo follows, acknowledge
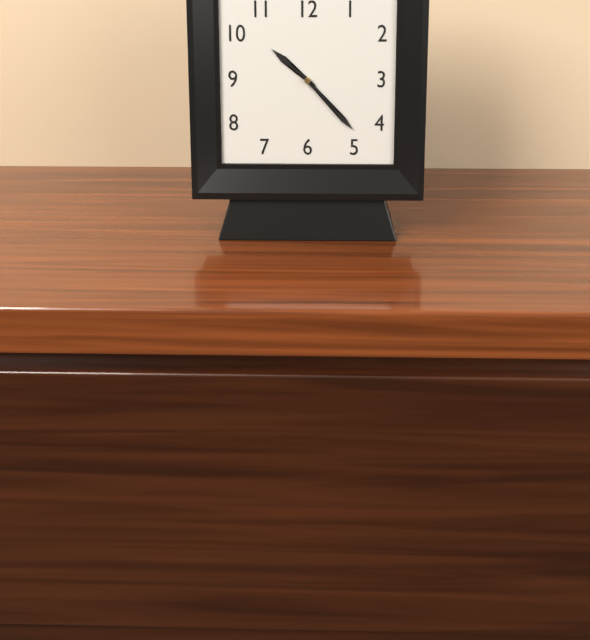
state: 10:23
